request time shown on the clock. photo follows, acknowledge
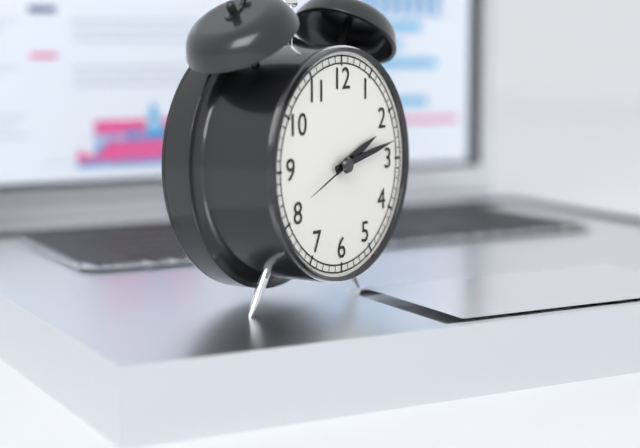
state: 2:13:41
